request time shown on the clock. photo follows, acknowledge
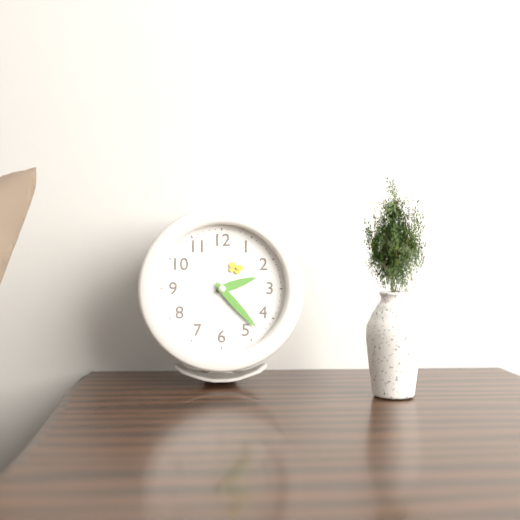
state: 2:23
